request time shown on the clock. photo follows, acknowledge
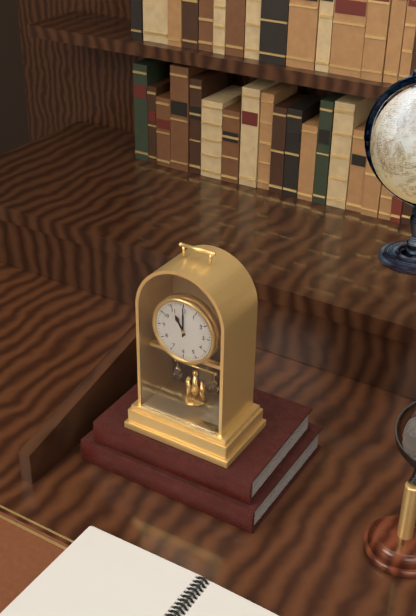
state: 11:00
